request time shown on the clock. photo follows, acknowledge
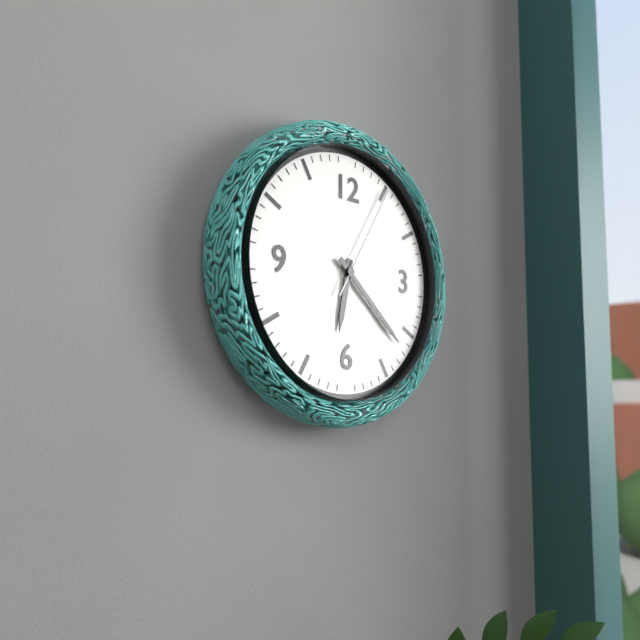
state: 6:22:05
